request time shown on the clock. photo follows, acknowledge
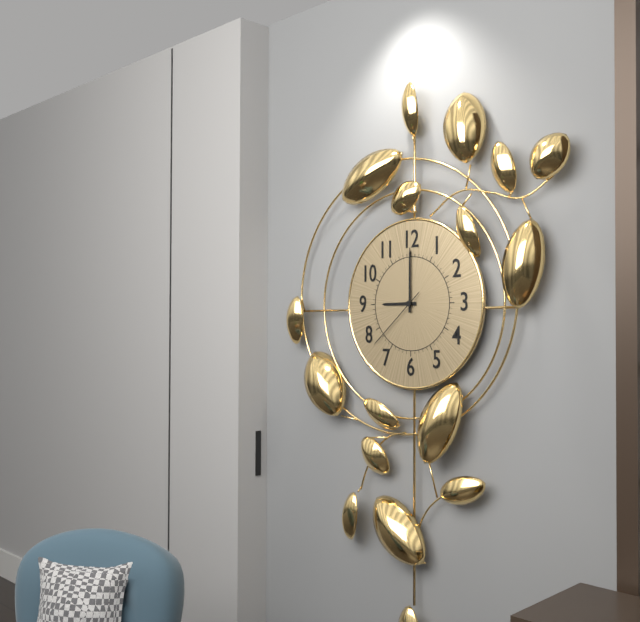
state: 9:00:38
